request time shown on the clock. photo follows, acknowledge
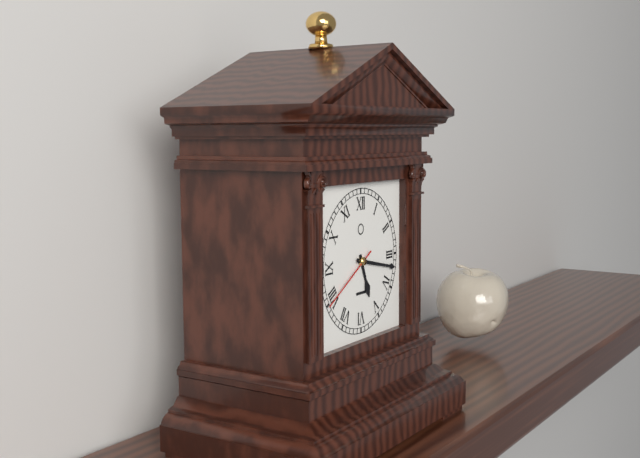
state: 5:17:40
